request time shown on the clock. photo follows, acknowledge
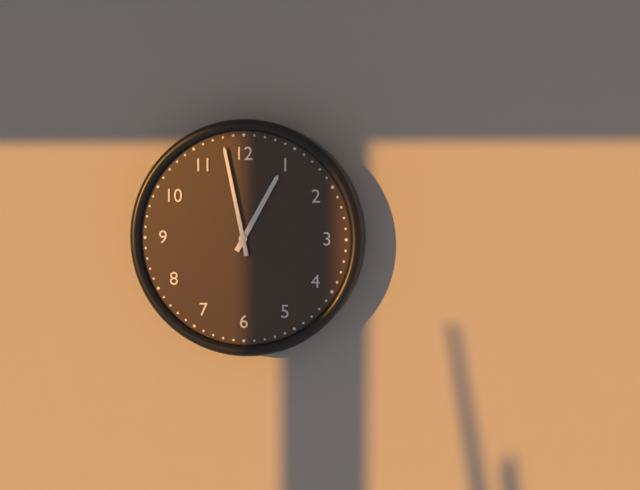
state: 12:58
